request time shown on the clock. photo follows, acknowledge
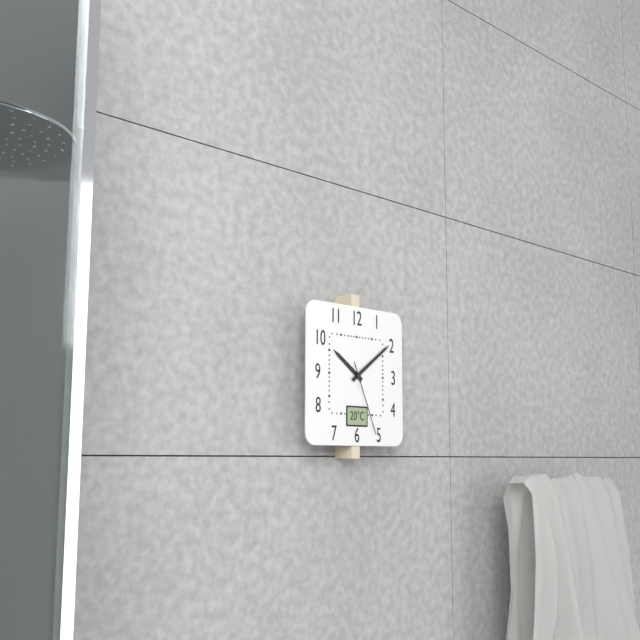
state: 10:09:26
